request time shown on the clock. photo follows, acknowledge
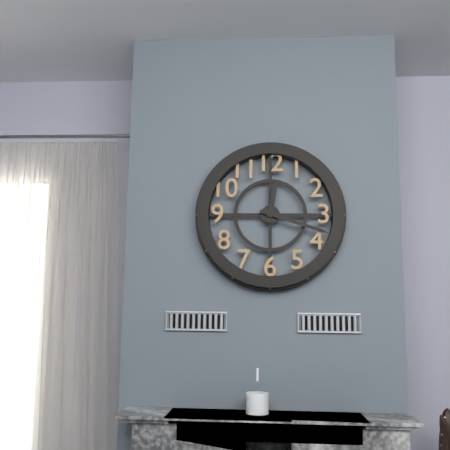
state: 12:18
